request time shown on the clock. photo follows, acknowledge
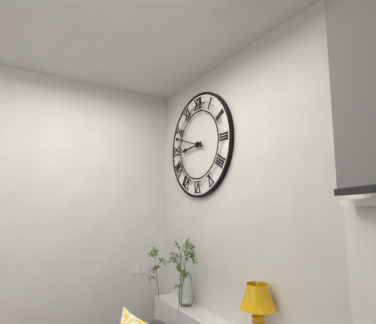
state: 8:48
